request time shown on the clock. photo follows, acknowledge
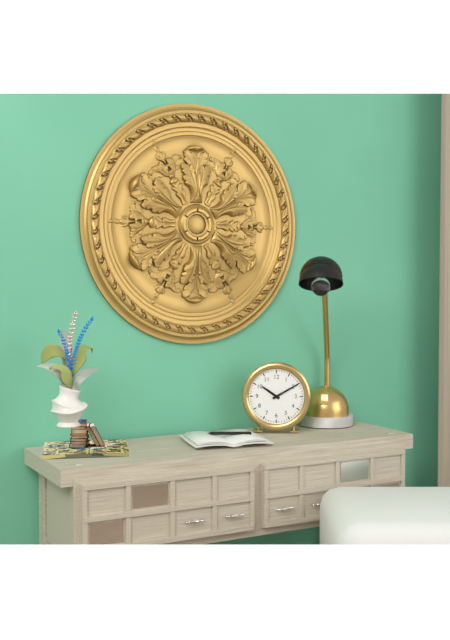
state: 10:10
